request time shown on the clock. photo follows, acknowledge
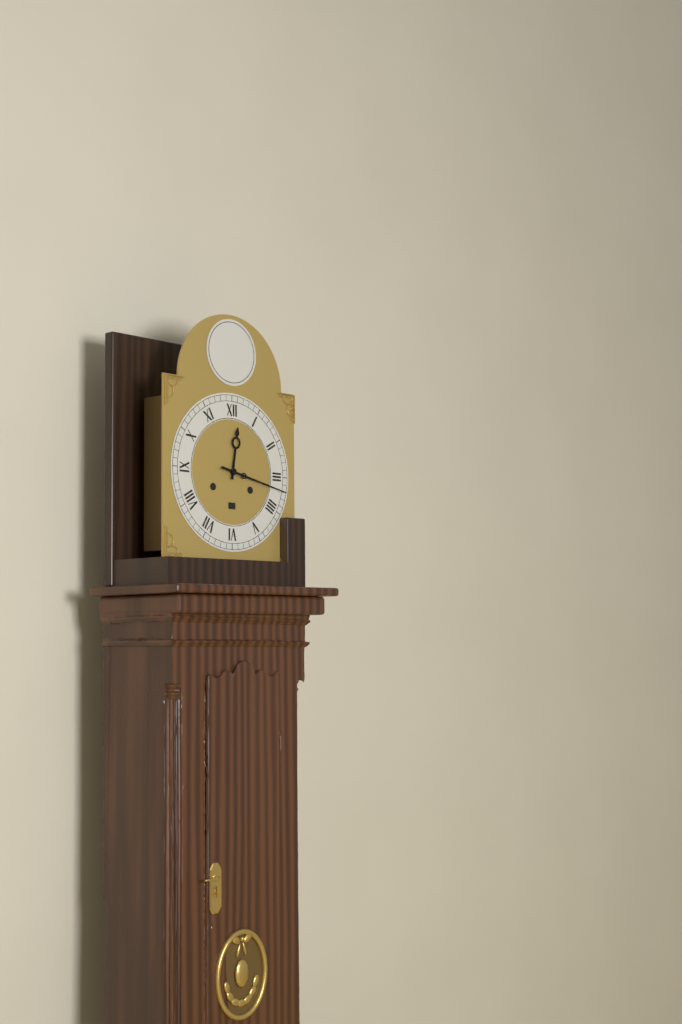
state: 12:17
